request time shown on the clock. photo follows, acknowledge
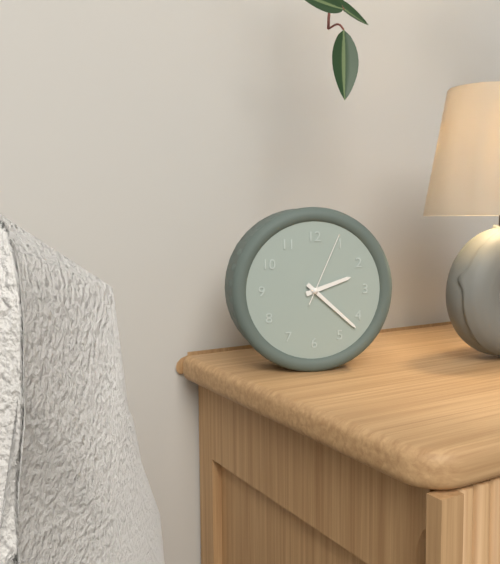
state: 2:22:04
